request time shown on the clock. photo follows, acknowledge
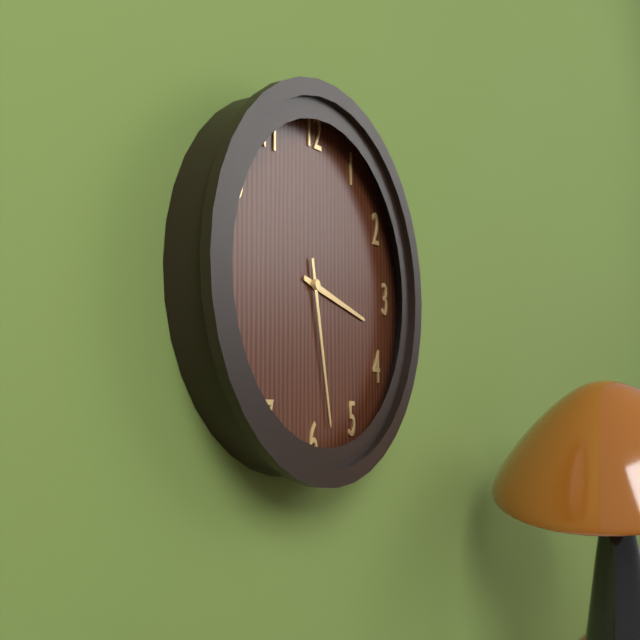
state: 3:28
